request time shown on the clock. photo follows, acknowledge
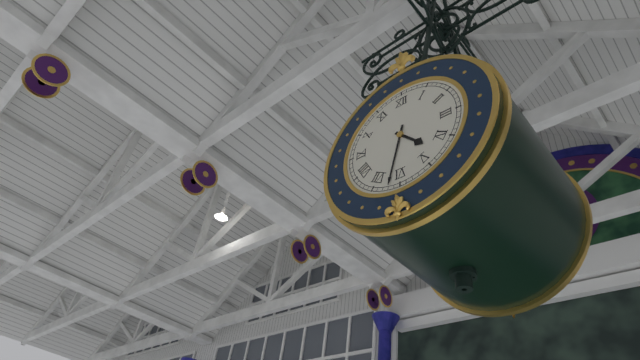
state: 4:32
